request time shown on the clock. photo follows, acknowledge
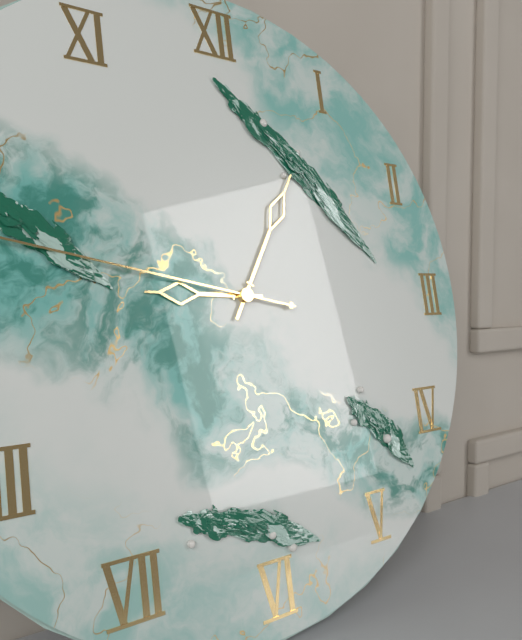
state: 9:05
